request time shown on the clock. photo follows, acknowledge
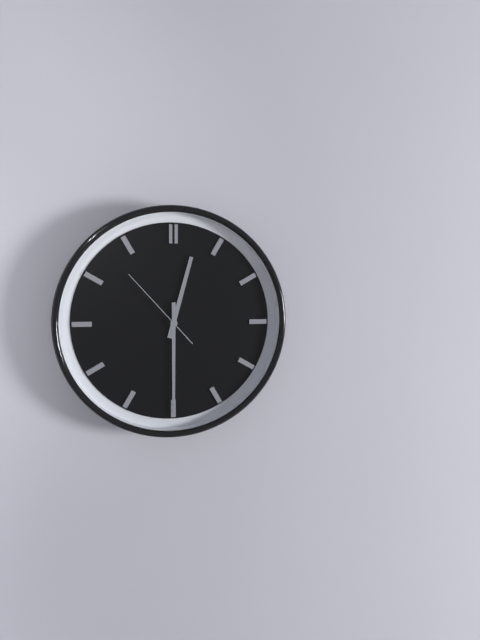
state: 12:30:53
